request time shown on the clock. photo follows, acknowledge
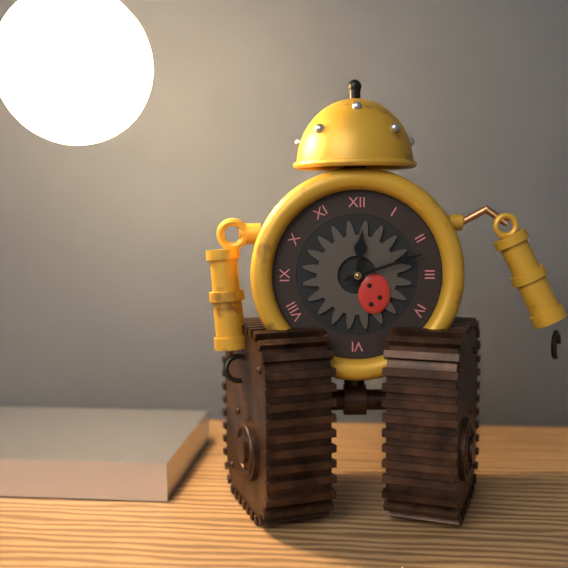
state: 12:12
